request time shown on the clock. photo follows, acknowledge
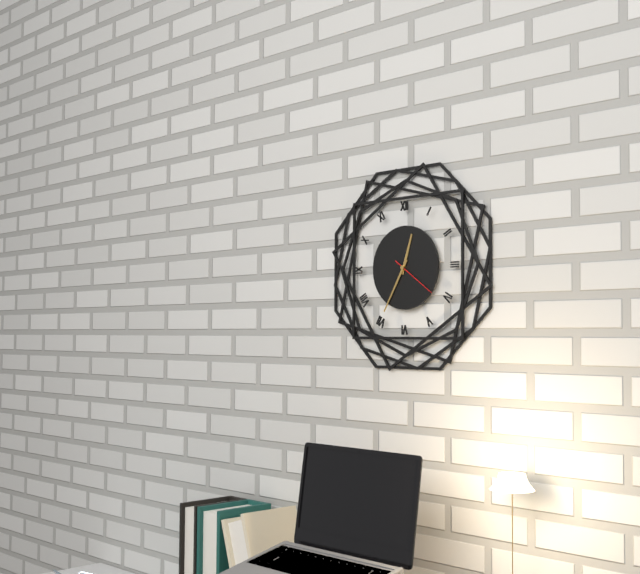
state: 12:35
